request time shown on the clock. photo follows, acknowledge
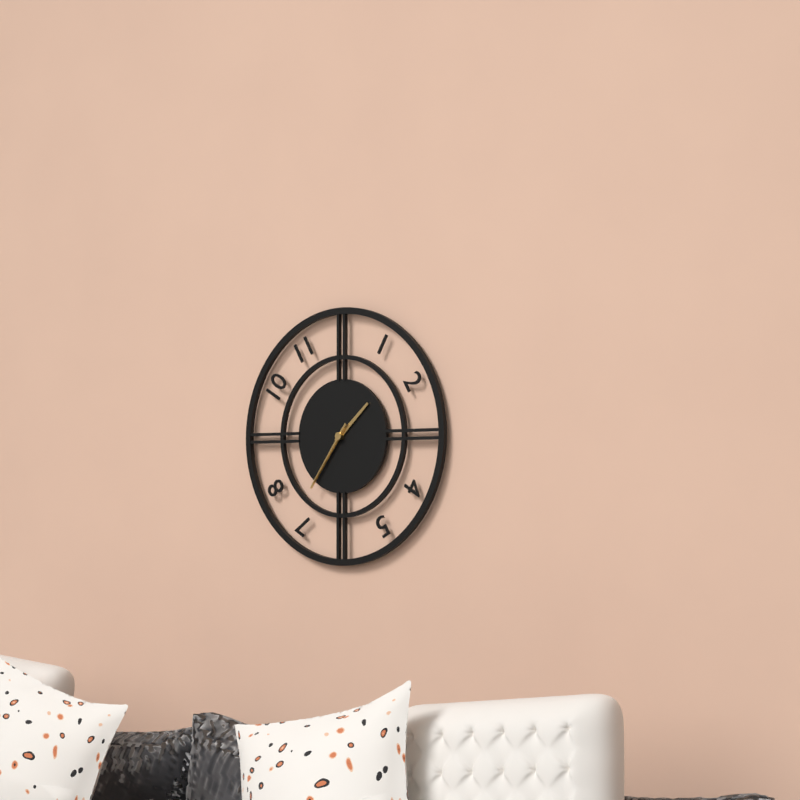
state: 1:36:36
